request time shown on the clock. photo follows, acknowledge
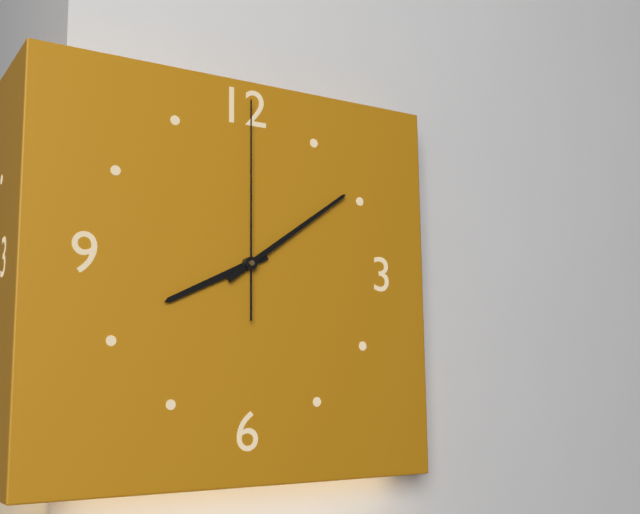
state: 8:09:00
